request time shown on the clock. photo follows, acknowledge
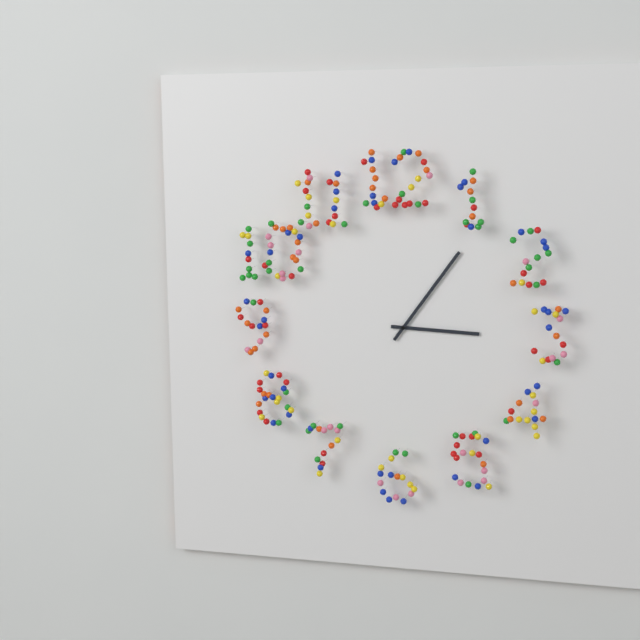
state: 3:06
